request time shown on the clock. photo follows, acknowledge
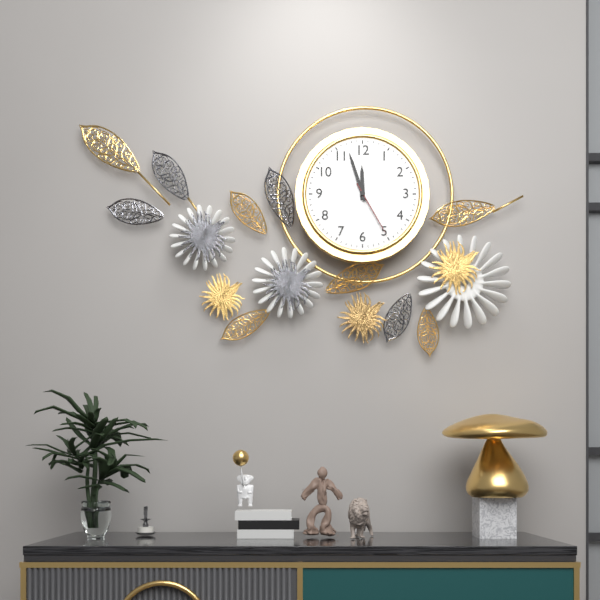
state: 11:57:25
